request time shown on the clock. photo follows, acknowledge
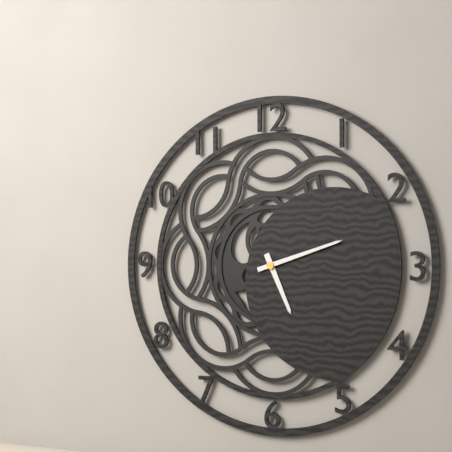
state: 5:12
